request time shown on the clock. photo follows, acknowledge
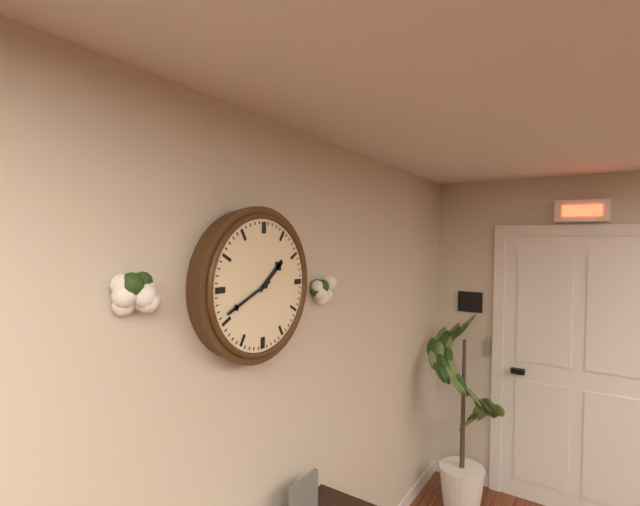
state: 1:41
